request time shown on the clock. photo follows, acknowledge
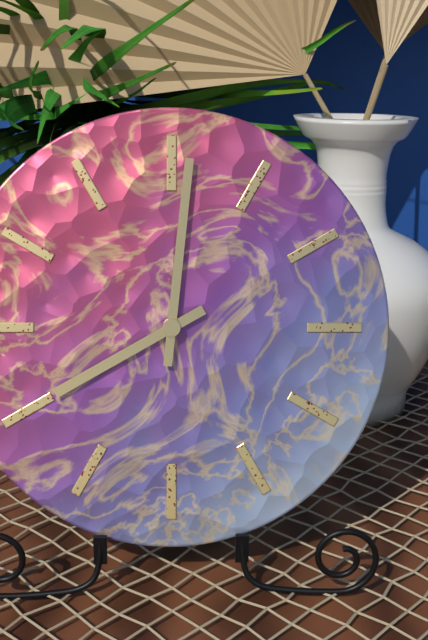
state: 8:01
